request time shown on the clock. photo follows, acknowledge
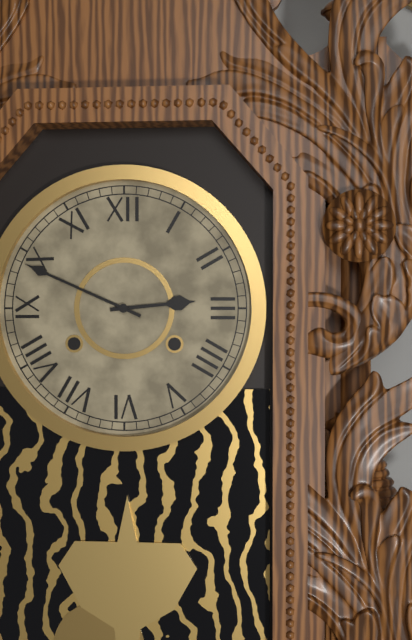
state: 2:49
